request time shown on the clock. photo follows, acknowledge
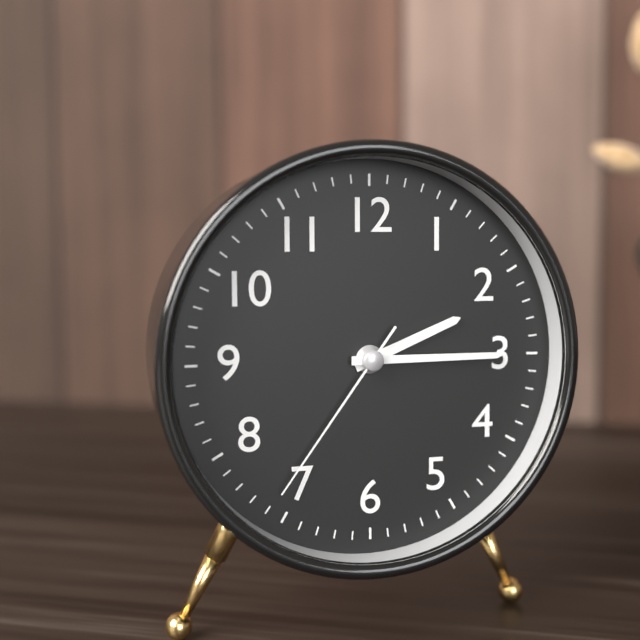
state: 2:15:36
